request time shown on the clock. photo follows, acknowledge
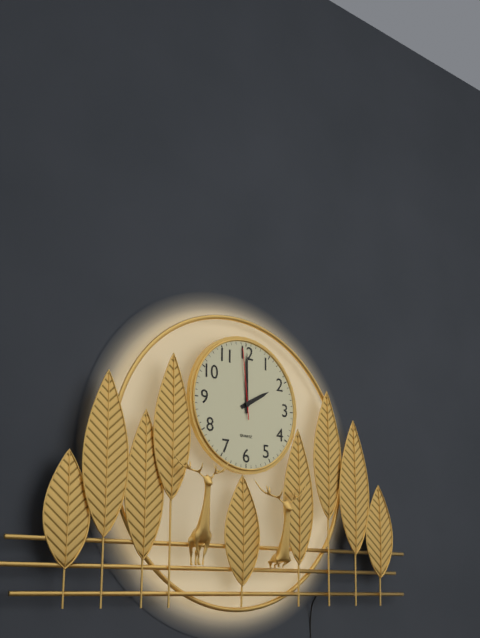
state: 2:00:59
